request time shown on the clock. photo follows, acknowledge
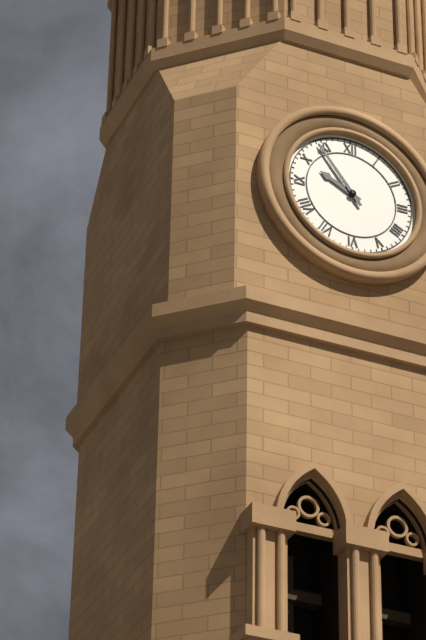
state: 9:54
